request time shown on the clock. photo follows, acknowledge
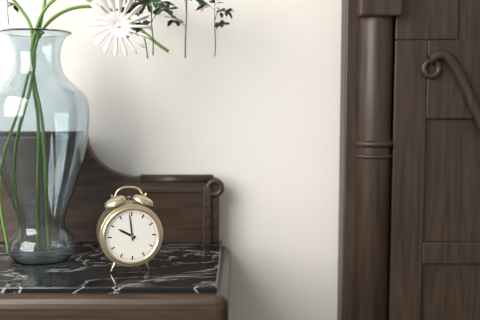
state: 9:59
